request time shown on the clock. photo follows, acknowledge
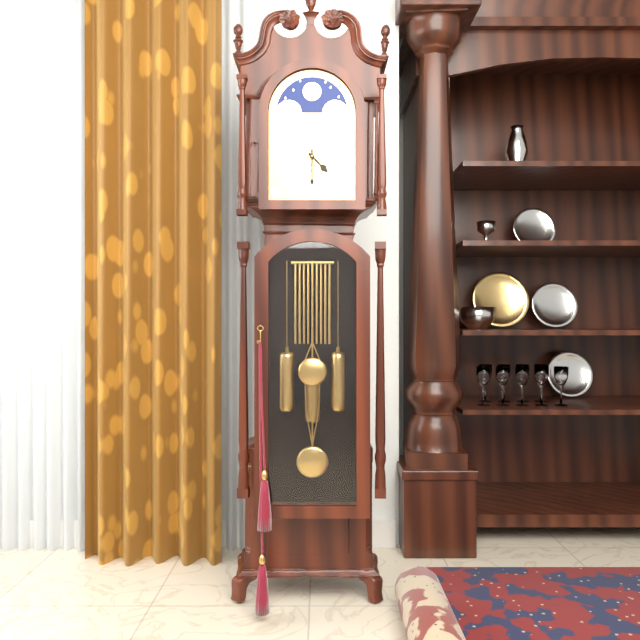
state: 4:30
